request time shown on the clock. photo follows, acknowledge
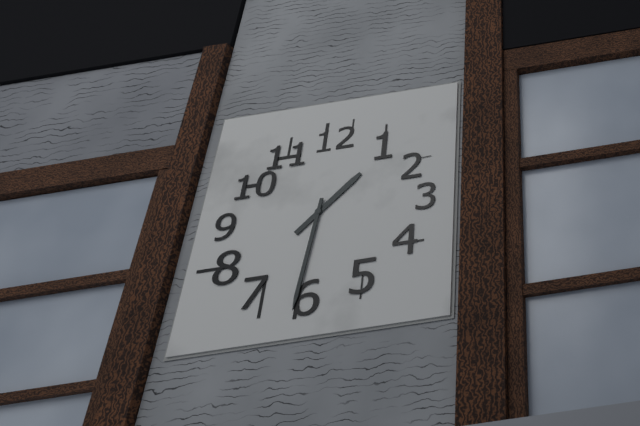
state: 1:31
